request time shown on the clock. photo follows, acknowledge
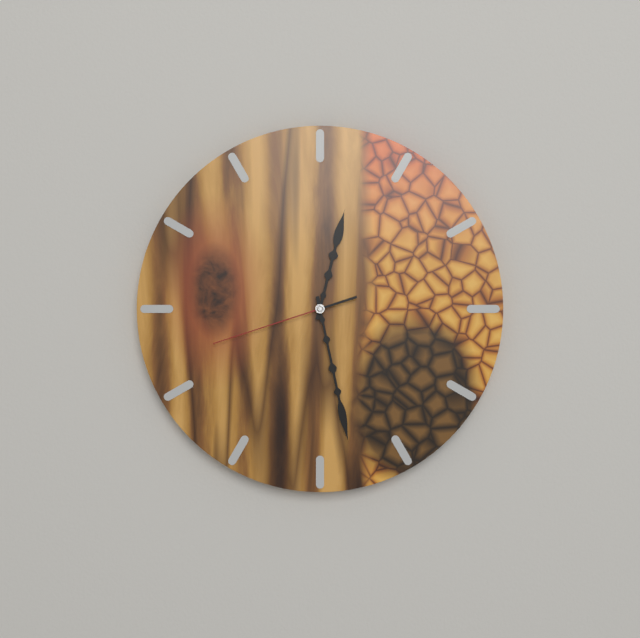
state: 12:28:42
